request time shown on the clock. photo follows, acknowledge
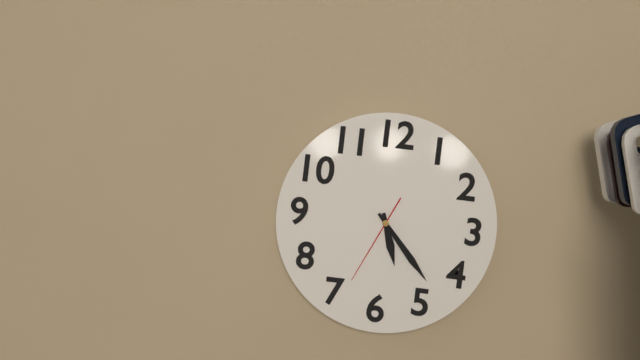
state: 5:23:34
